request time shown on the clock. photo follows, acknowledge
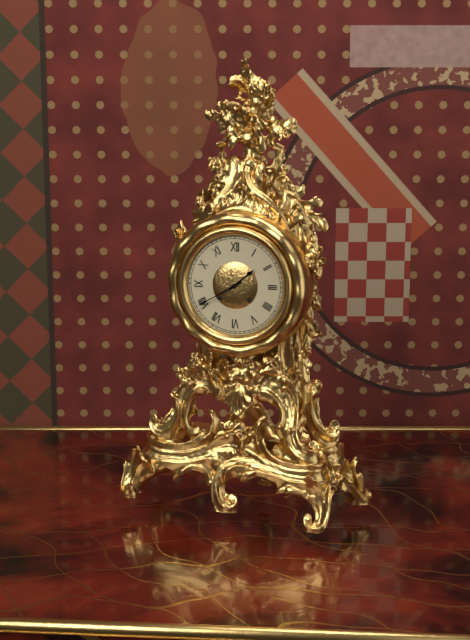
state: 1:40
